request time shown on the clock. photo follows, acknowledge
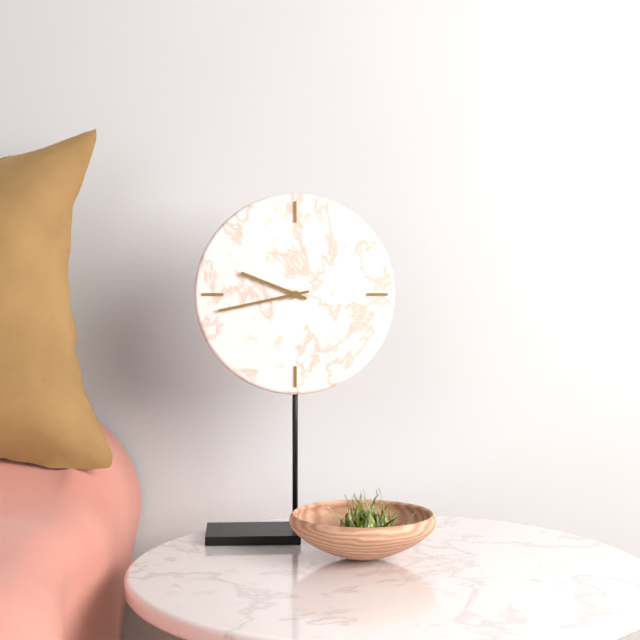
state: 9:43
